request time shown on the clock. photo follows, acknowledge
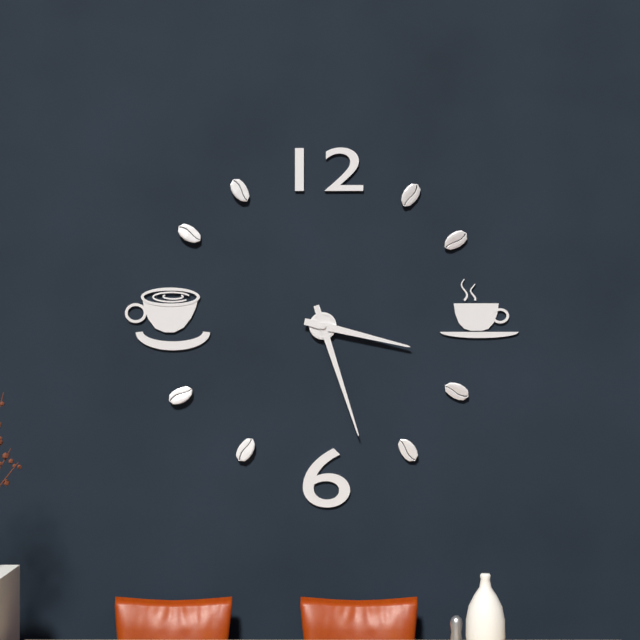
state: 3:27
